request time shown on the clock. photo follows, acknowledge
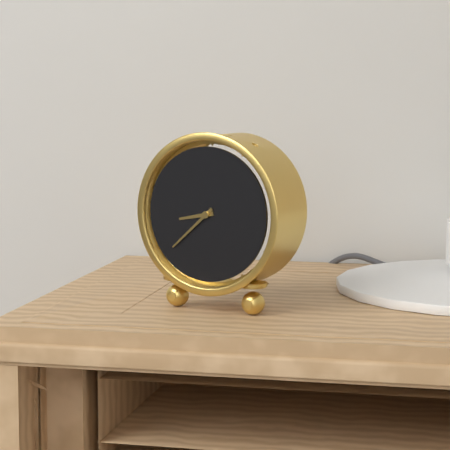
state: 8:38
